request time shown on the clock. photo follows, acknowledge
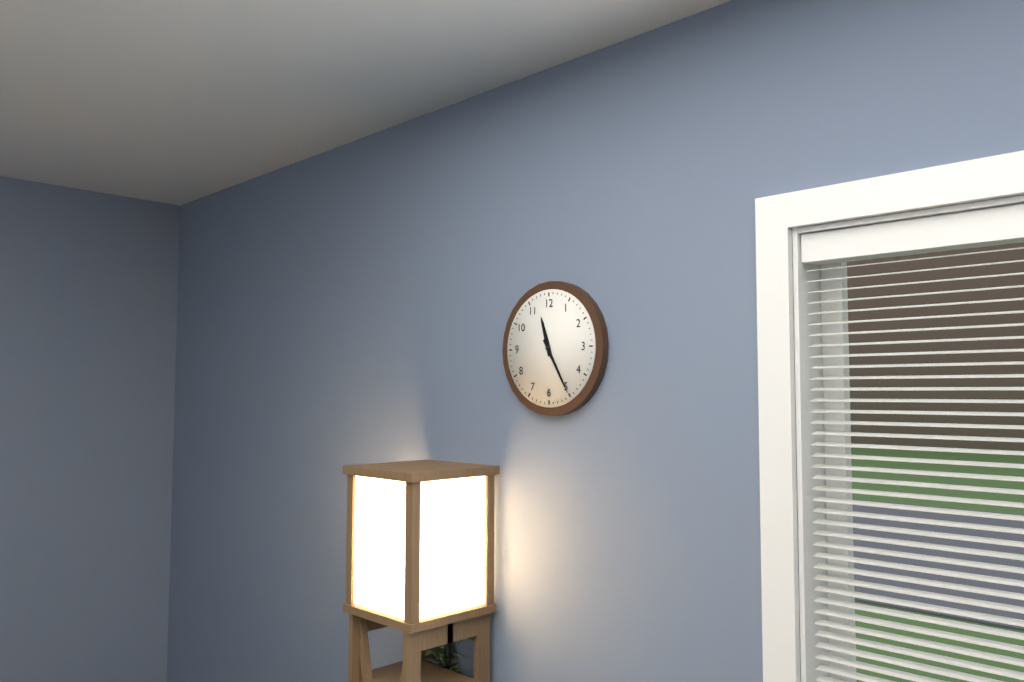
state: 11:25
